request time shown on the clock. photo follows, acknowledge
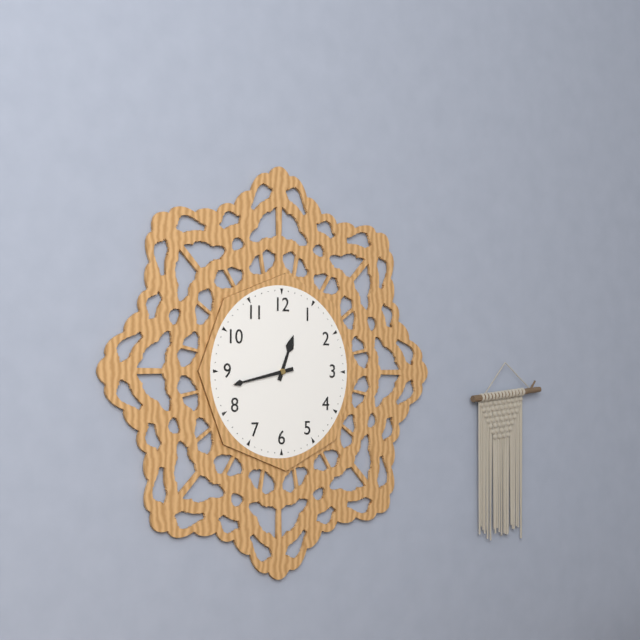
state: 12:43
